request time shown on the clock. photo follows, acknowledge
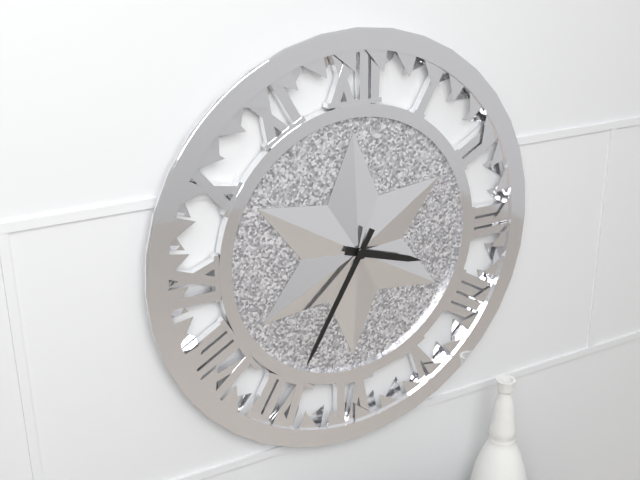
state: 3:35
